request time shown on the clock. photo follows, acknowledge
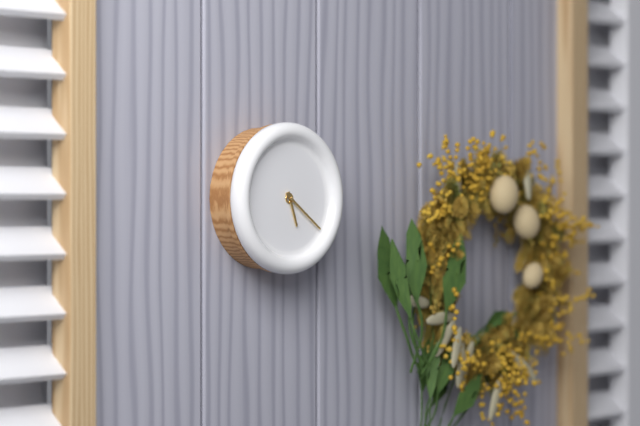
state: 5:21
